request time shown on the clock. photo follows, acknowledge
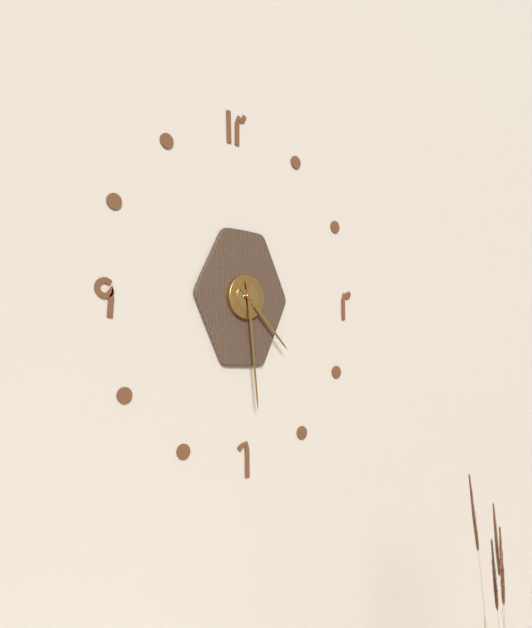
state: 4:29
